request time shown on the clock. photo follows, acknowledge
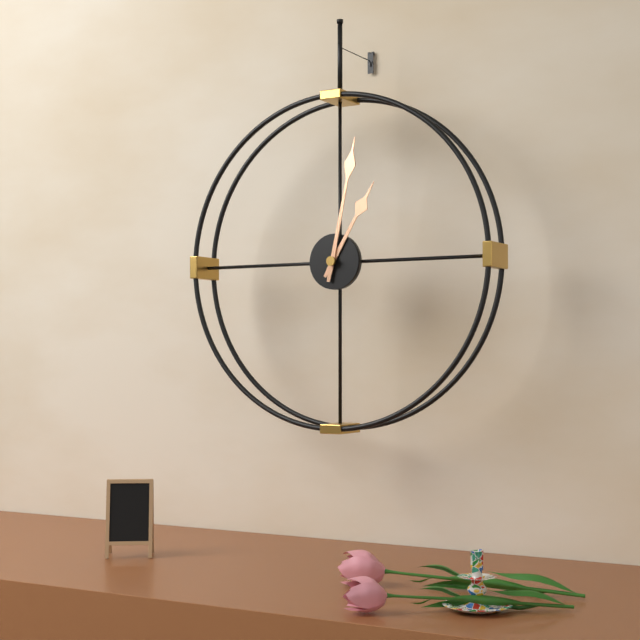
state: 1:02
